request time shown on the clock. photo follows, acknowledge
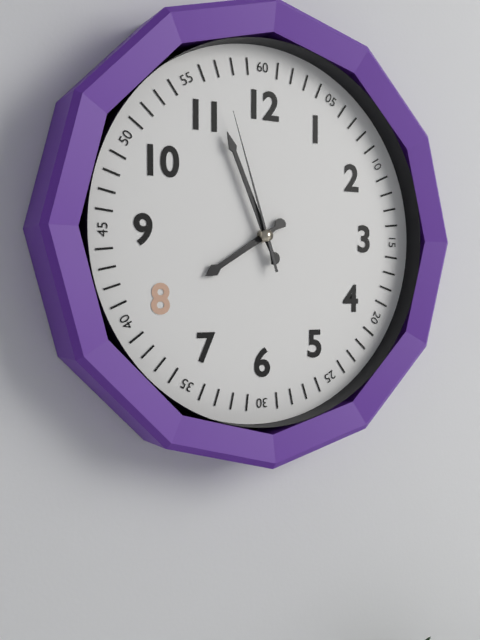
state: 7:56:57
